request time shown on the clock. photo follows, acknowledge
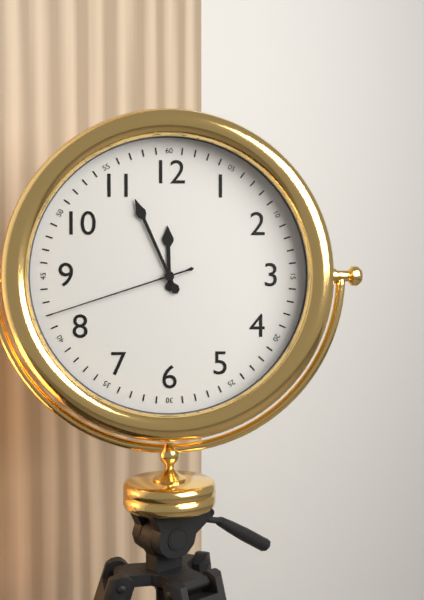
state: 11:56:42
